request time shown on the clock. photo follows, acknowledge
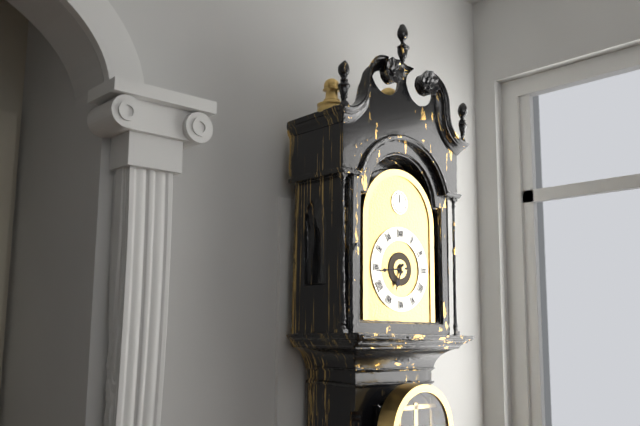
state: 6:44
